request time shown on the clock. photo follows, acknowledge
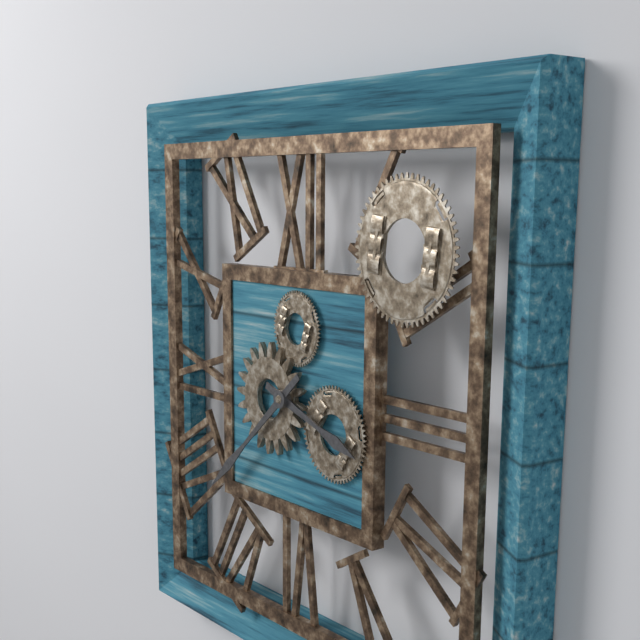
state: 3:38
